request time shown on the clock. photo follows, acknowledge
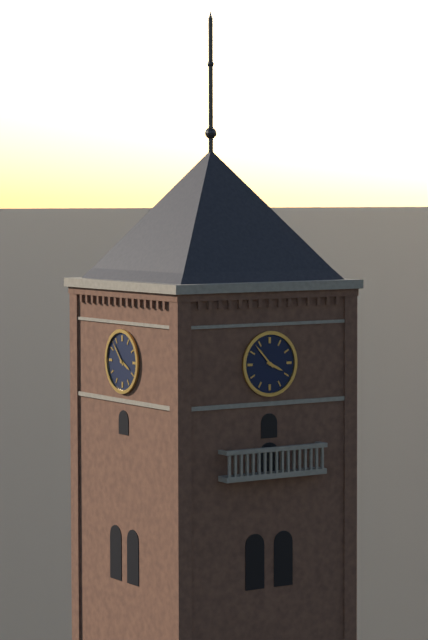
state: 3:53
